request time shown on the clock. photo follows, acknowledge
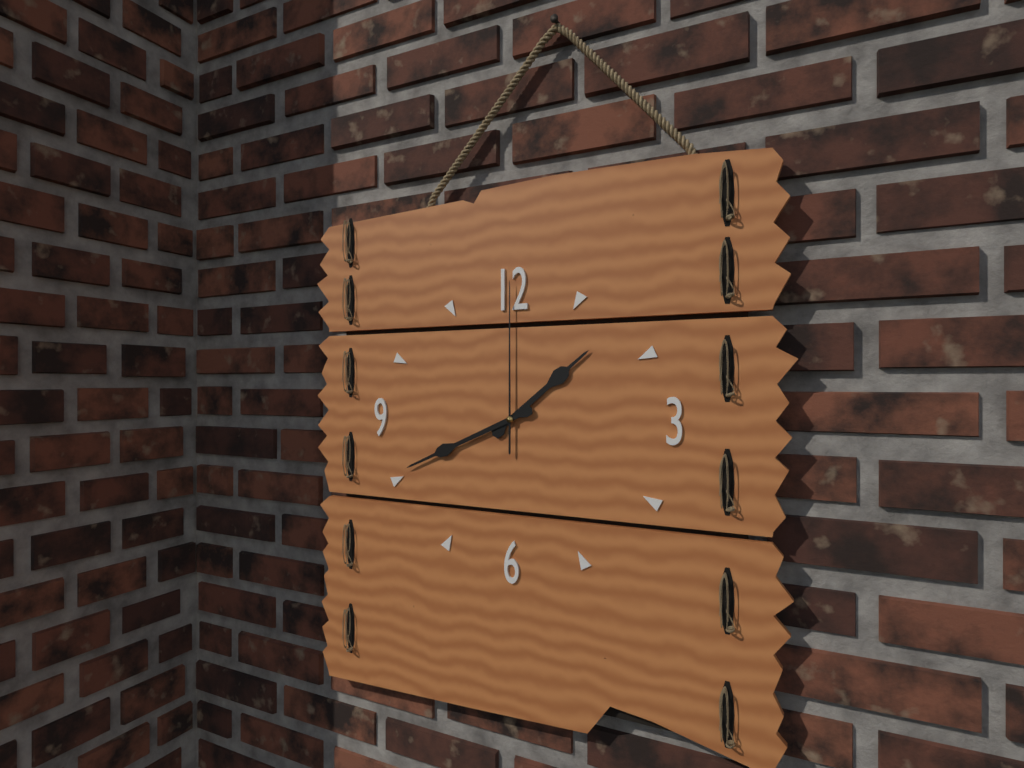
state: 1:41:00
